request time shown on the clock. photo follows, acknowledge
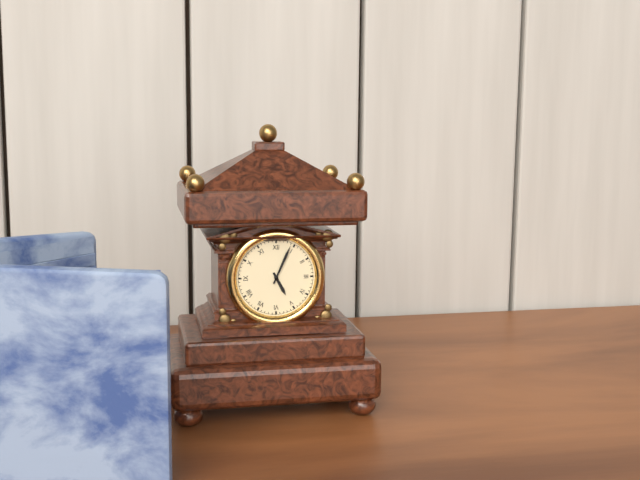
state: 5:04
